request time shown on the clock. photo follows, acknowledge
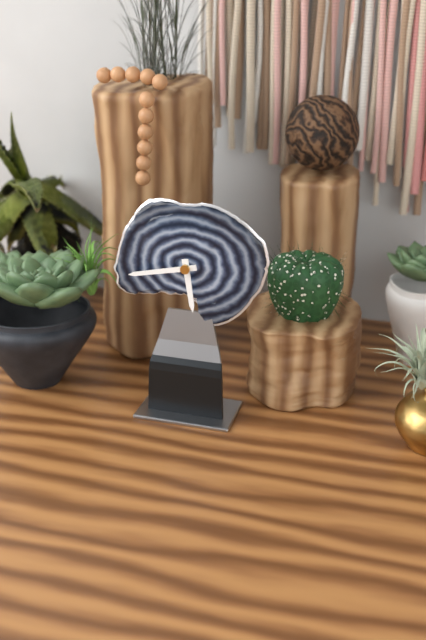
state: 5:43
